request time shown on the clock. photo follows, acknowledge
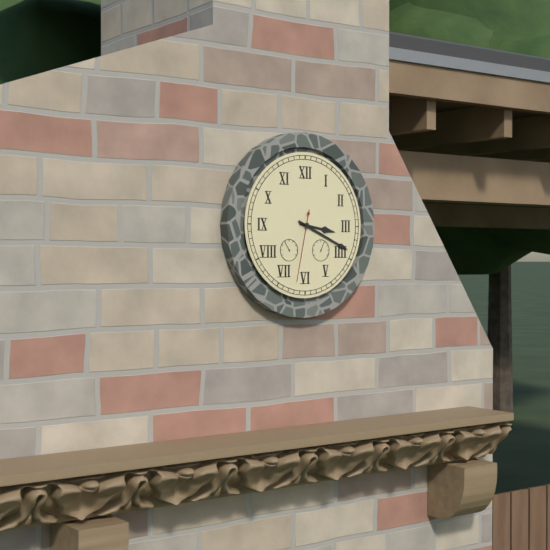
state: 3:19:32
